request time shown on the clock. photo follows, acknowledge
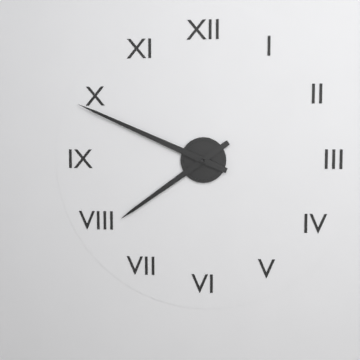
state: 7:49
